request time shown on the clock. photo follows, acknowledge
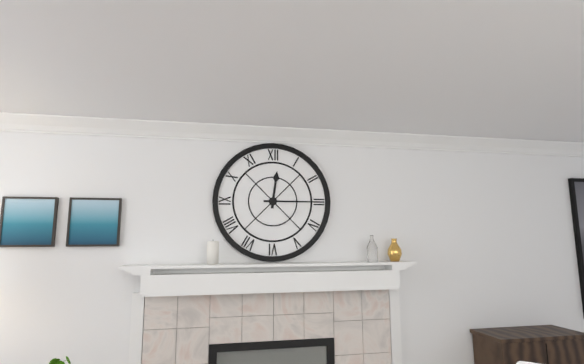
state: 12:15
